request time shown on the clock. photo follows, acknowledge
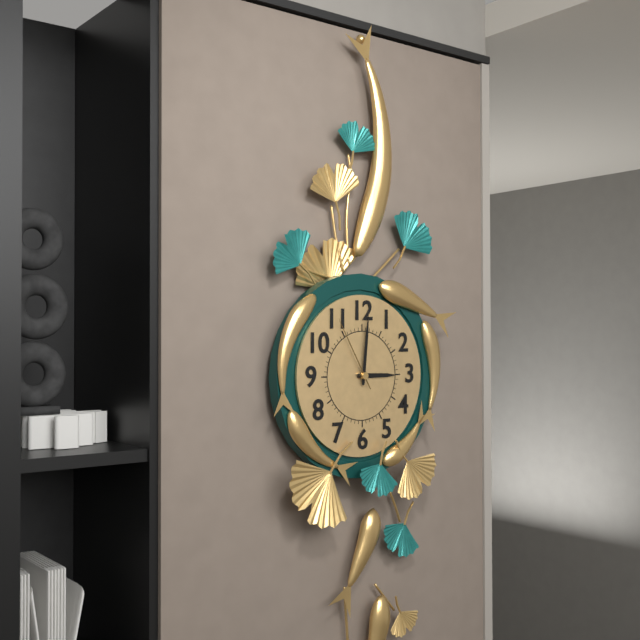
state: 3:01:55
